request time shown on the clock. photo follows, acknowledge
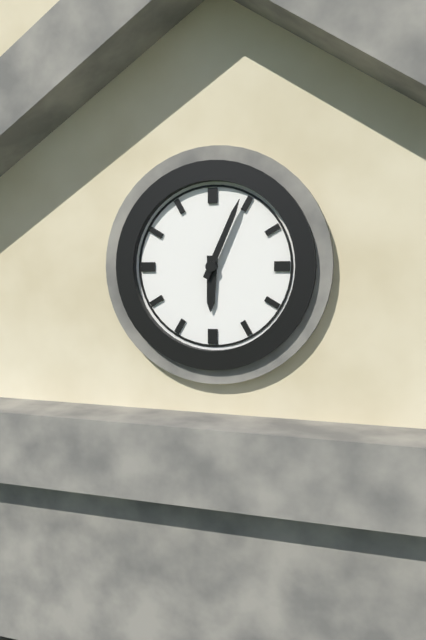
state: 6:04
